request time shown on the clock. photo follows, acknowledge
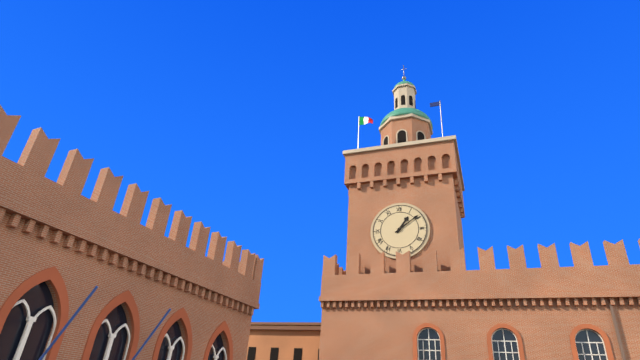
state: 1:09
